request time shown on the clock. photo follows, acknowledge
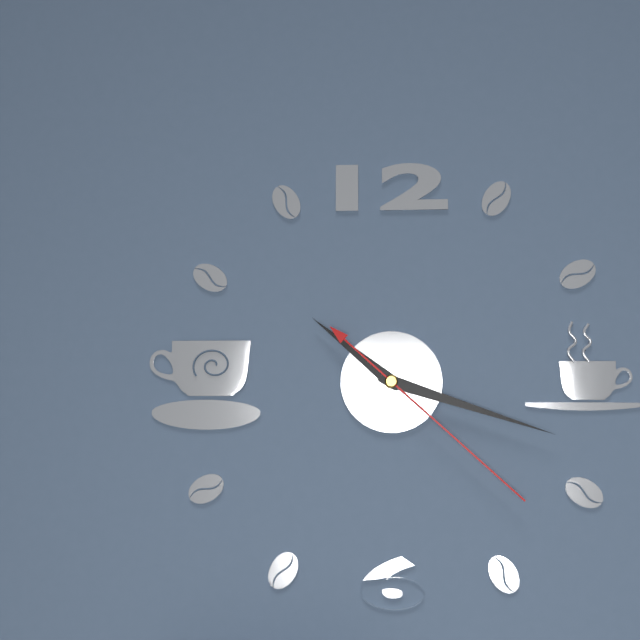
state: 10:18:22
